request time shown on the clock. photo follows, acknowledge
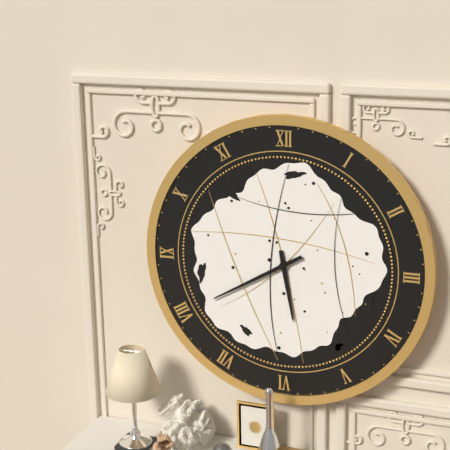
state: 5:40
